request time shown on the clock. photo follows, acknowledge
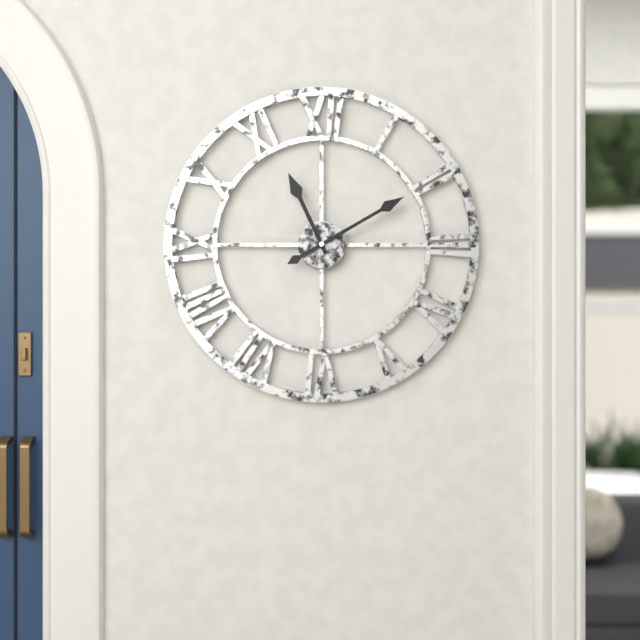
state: 11:10
